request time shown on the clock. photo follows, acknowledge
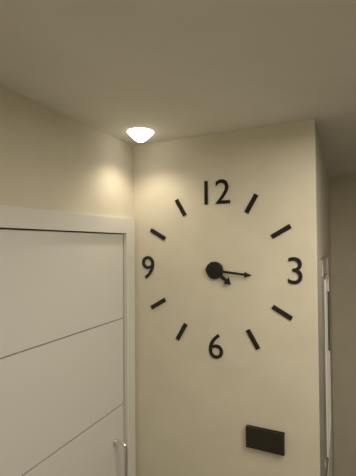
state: 4:16
